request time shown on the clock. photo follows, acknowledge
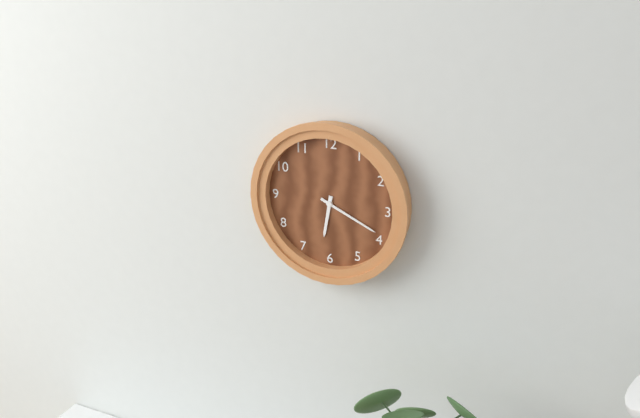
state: 6:19
